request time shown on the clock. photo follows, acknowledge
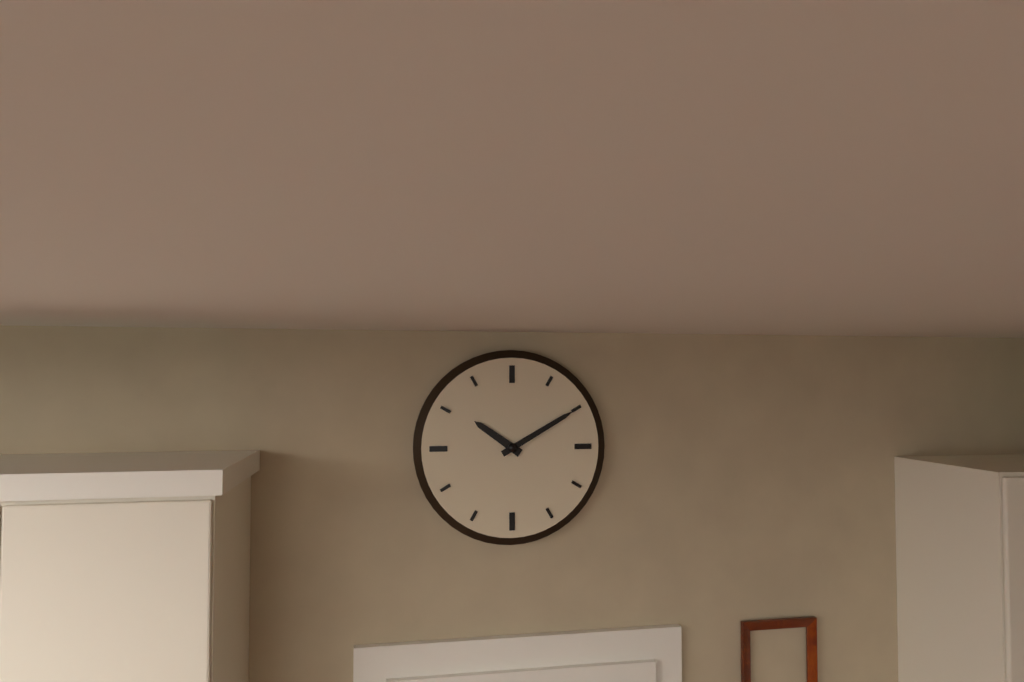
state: 10:10
